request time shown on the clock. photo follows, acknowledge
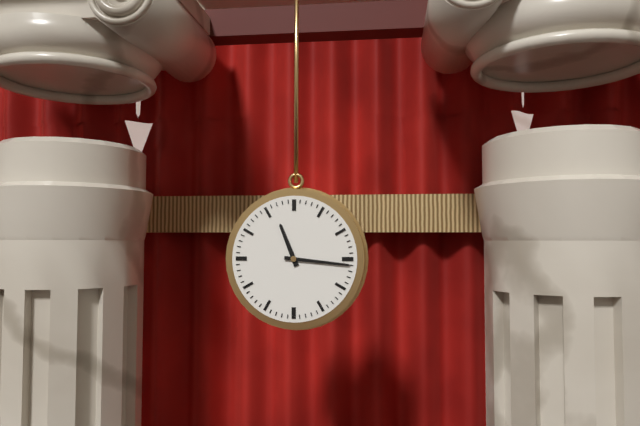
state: 11:16
